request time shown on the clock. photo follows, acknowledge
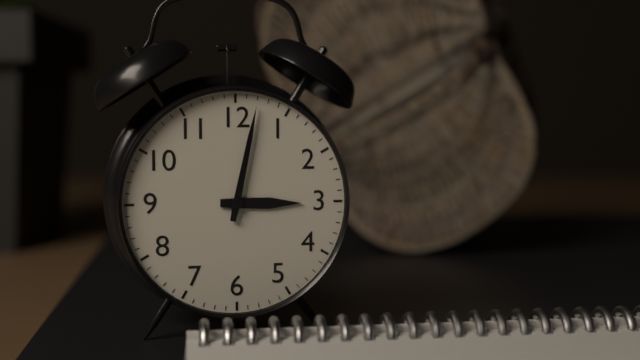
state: 3:02
